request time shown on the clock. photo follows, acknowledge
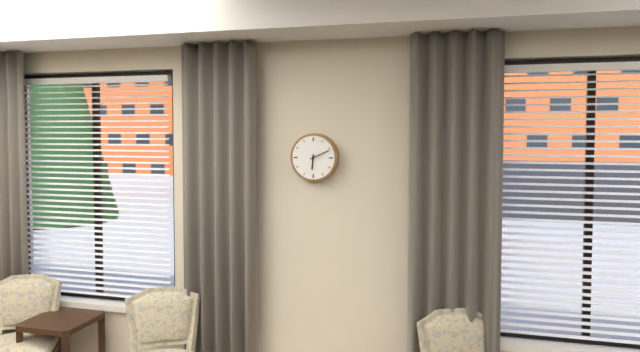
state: 6:11
